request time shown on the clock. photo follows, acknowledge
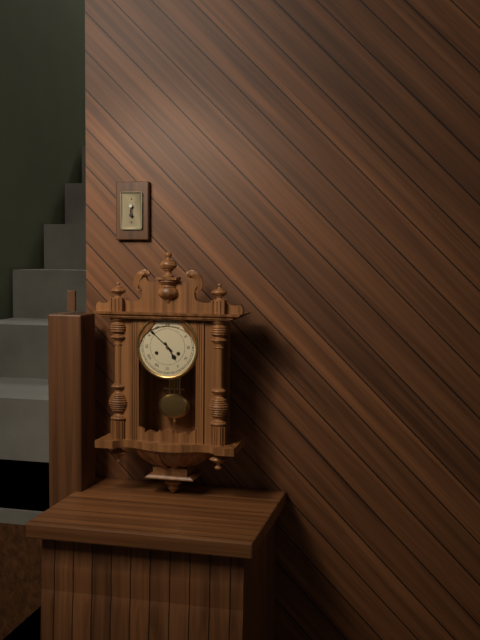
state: 4:52
